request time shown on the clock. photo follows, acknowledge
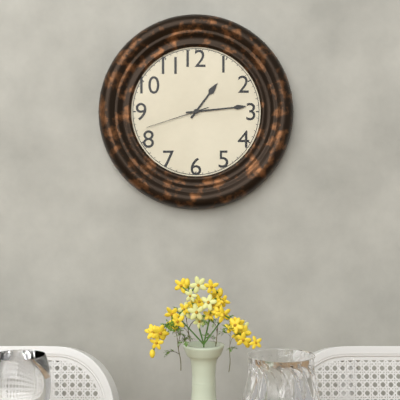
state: 1:14:42
